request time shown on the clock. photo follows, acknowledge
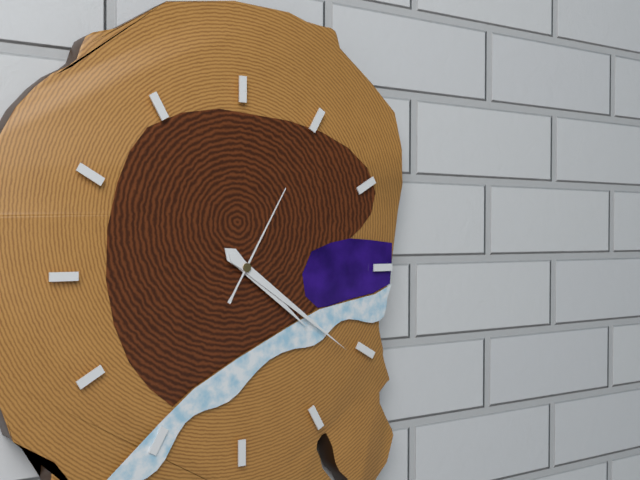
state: 4:21:05
